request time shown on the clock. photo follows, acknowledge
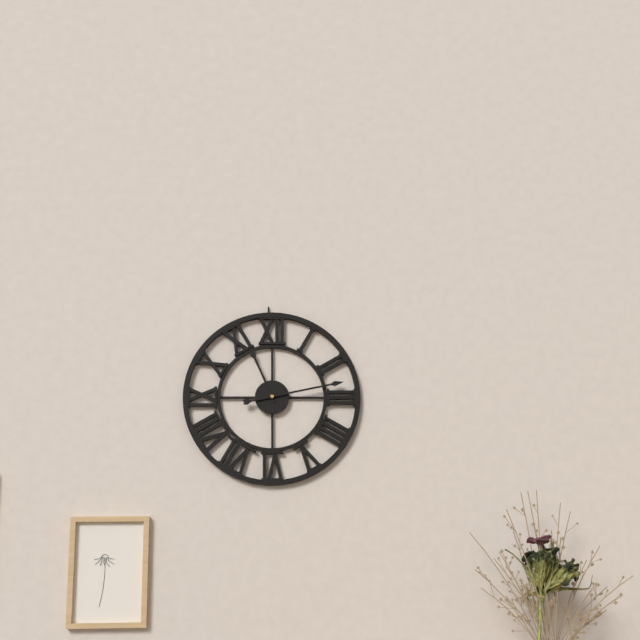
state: 11:13
